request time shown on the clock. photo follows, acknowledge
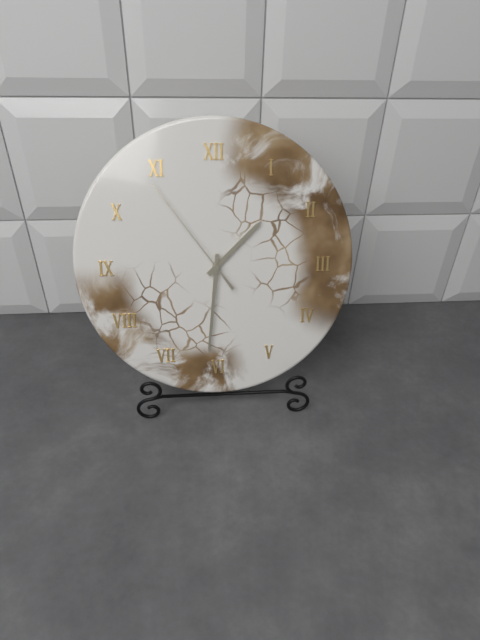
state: 1:31:54
